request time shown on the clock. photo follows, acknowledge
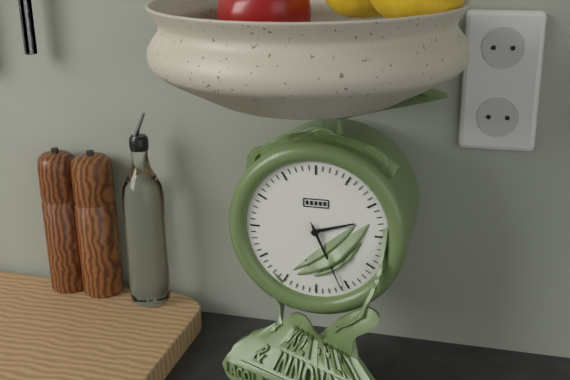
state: 2:26
